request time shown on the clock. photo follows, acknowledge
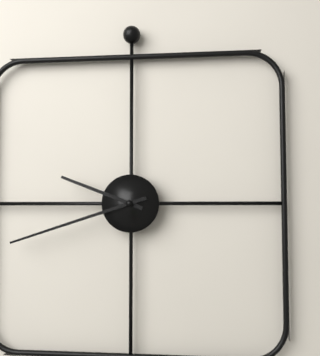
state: 9:42
